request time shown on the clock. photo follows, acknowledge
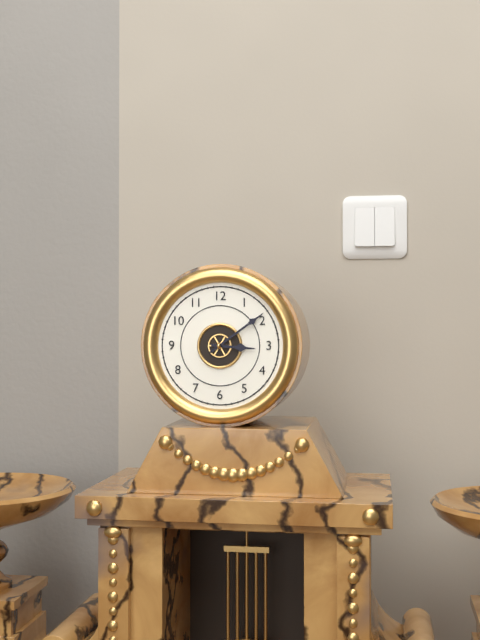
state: 3:09
